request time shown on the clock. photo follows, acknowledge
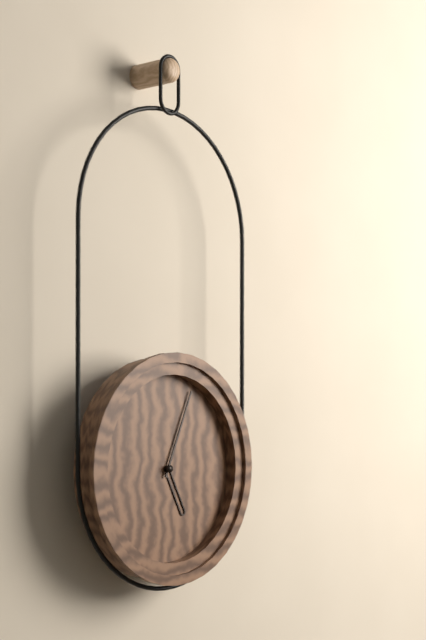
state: 5:04
